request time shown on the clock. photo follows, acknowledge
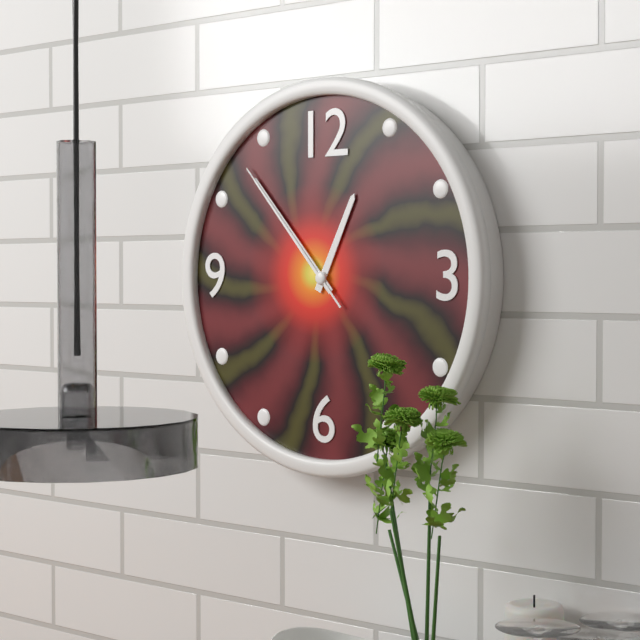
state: 12:53:53
